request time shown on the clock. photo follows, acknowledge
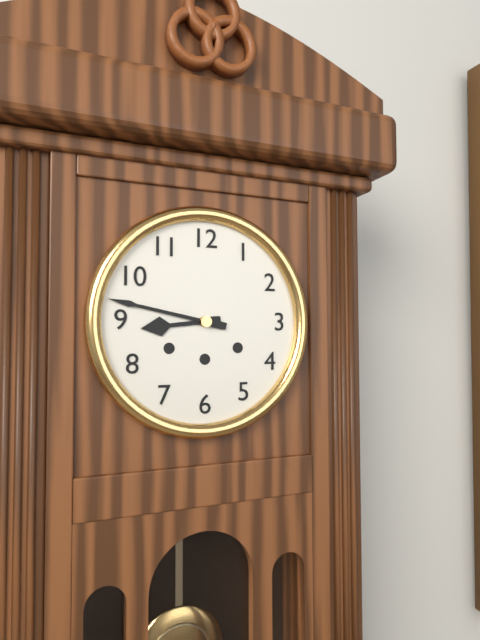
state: 8:47
